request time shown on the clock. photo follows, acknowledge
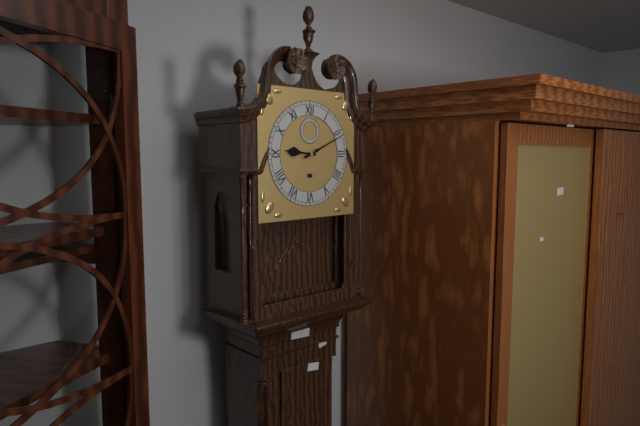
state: 9:11
